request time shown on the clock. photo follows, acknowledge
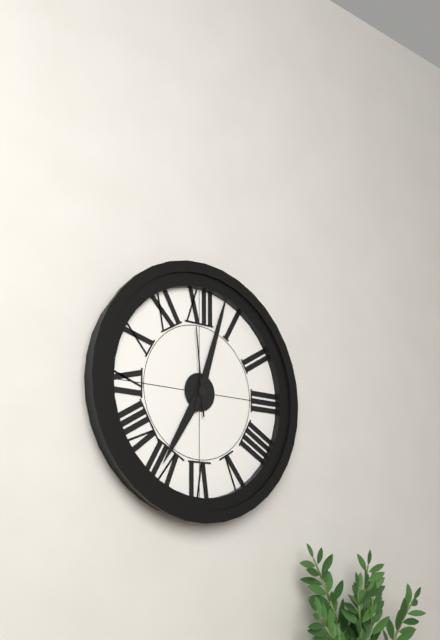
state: 7:03:59
